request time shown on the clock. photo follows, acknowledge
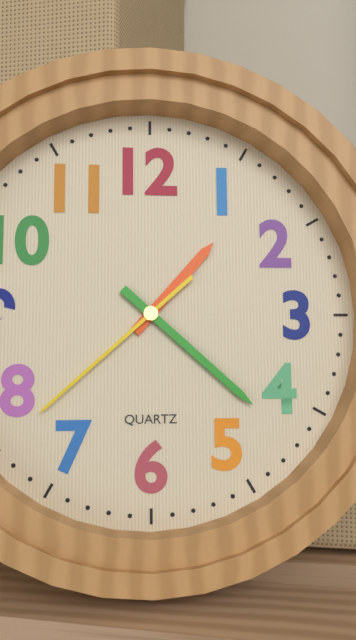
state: 1:22:38
